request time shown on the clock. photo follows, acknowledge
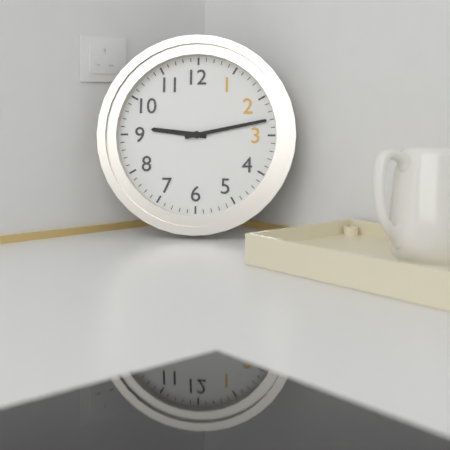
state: 9:13
